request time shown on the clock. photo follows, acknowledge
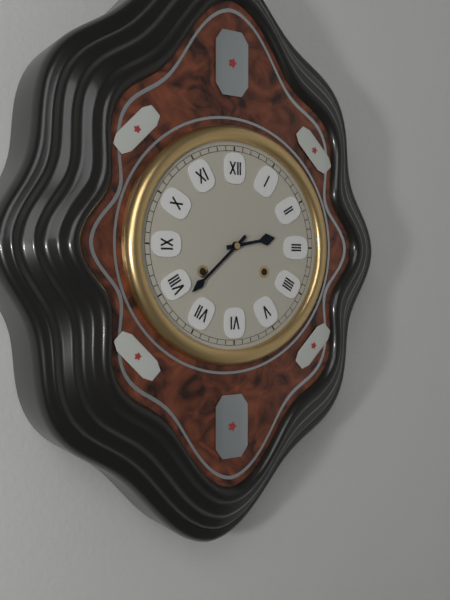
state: 2:38
